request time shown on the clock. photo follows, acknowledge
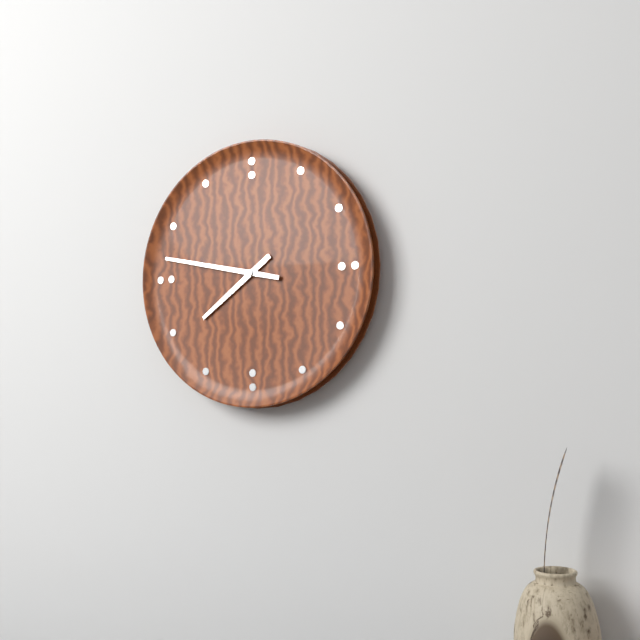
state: 7:47
